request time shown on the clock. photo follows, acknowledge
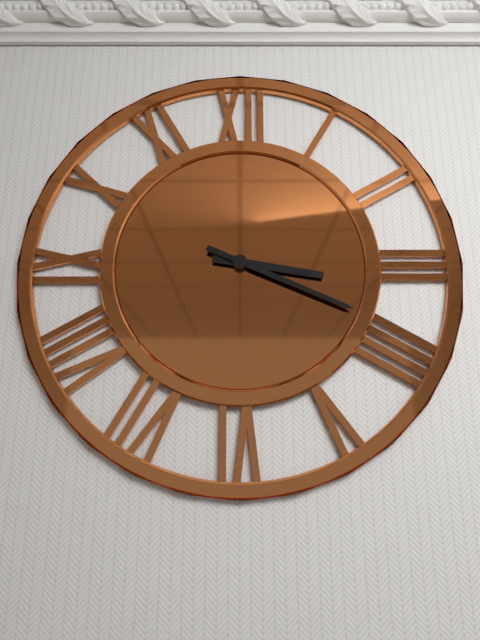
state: 3:19
